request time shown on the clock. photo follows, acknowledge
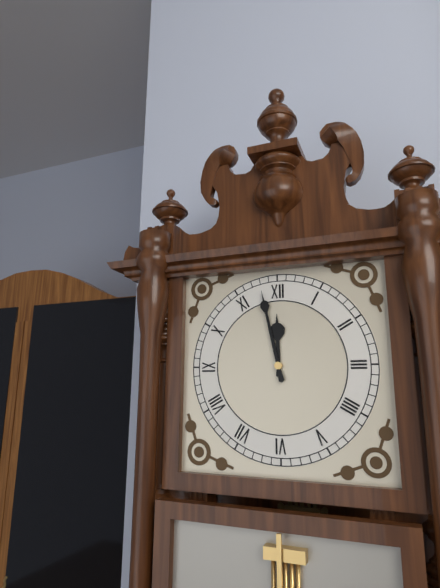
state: 11:58
